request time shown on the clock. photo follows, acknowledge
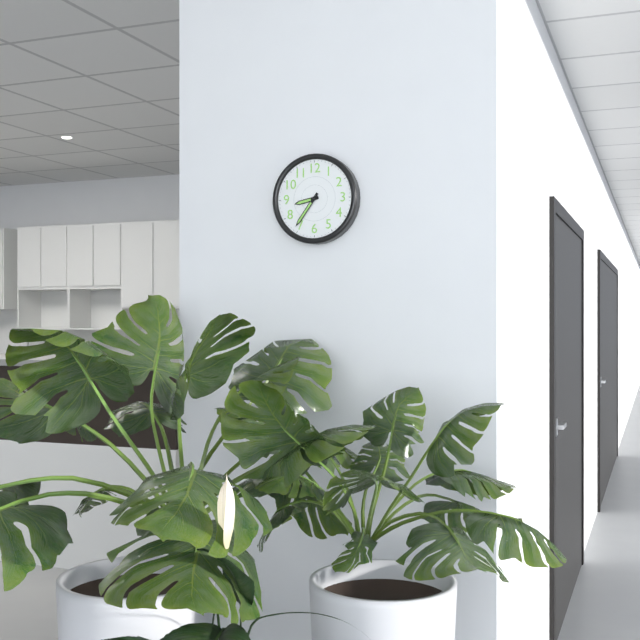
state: 8:36
